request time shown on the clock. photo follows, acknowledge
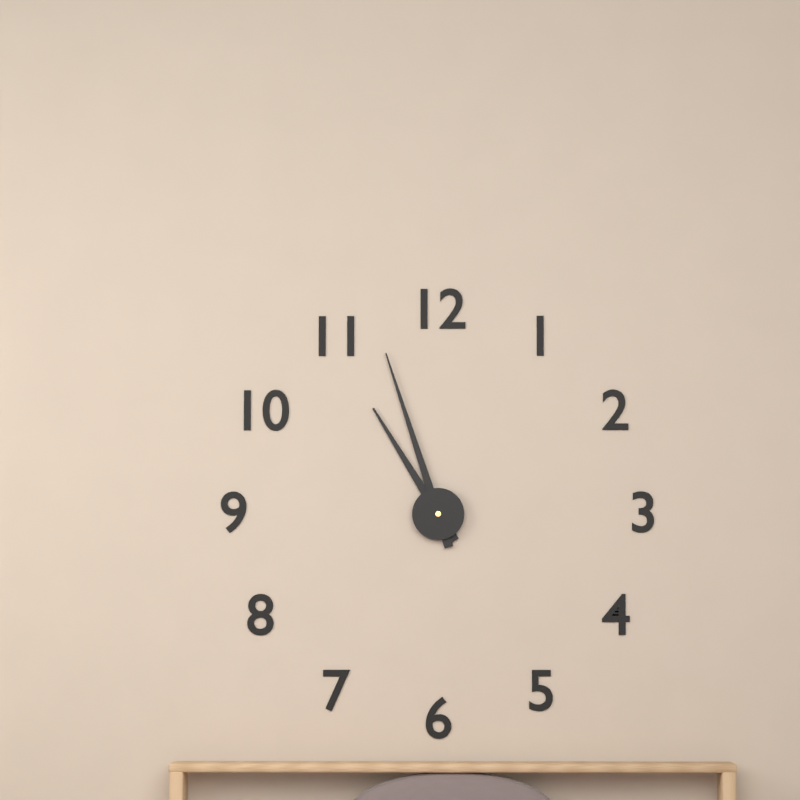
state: 10:57
